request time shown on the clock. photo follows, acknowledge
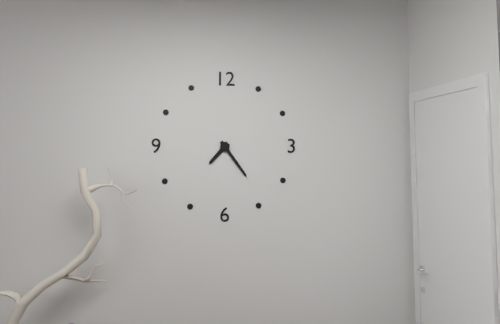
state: 7:24
